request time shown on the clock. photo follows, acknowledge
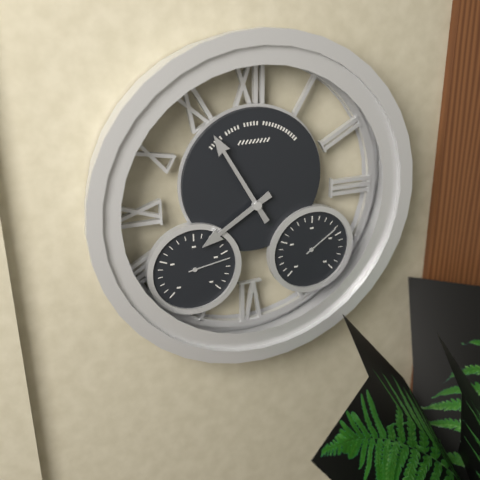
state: 7:55
